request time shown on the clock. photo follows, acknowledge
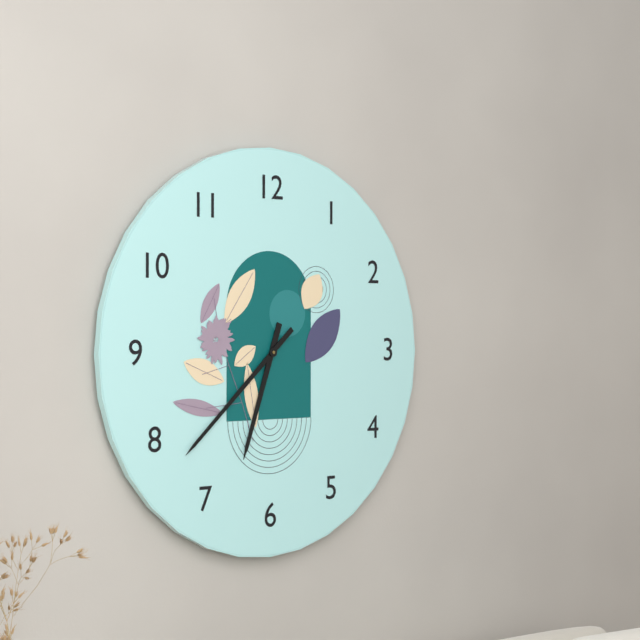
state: 6:38
